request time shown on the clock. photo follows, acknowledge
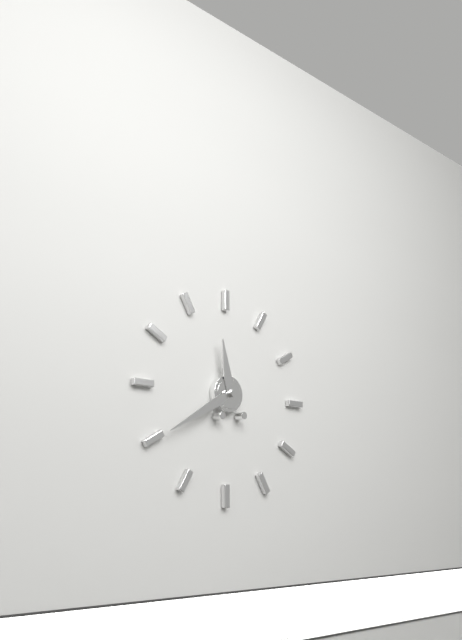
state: 11:40
